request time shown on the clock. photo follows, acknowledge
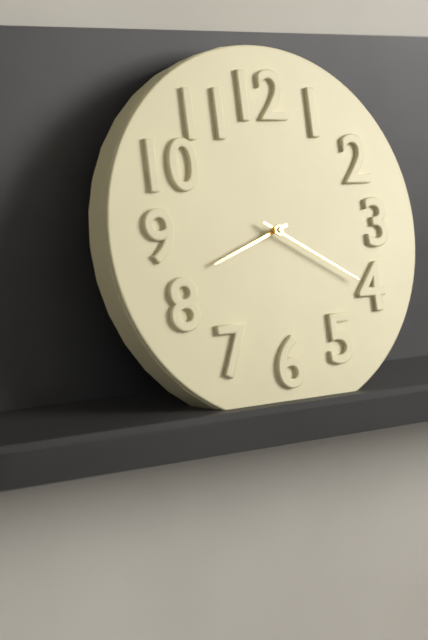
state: 8:20
